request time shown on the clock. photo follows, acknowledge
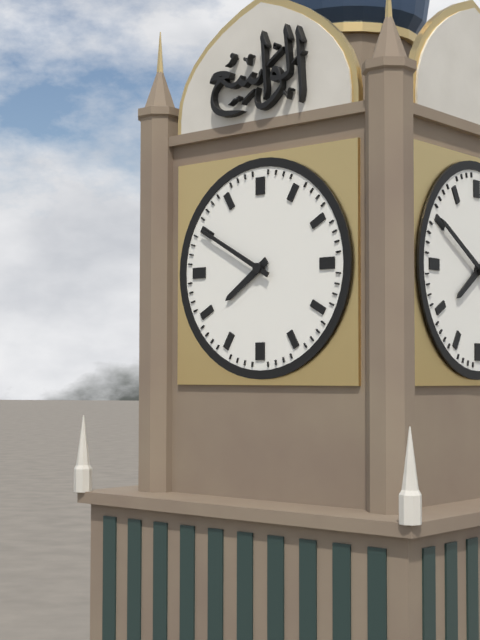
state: 7:50
